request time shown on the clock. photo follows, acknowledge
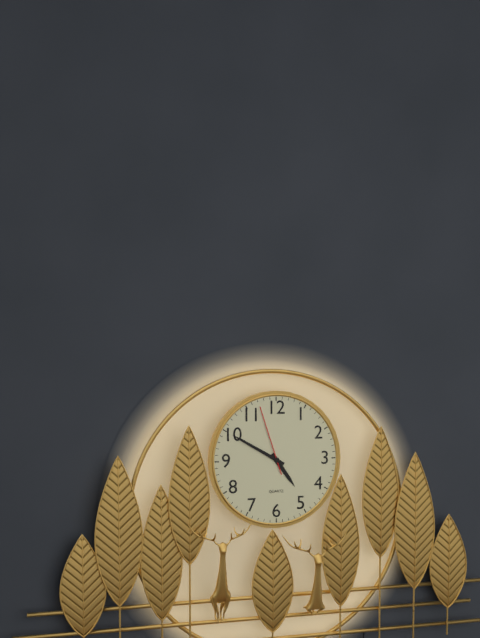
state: 4:50:57
